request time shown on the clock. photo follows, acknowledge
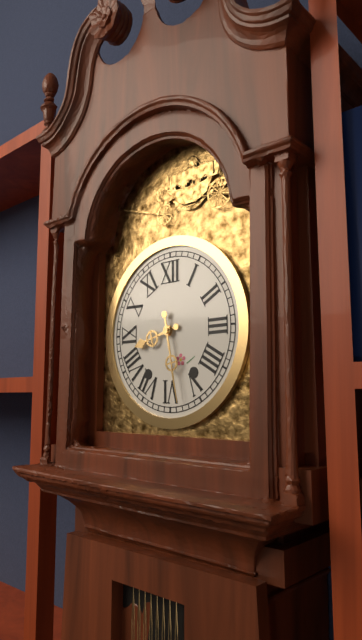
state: 8:28
